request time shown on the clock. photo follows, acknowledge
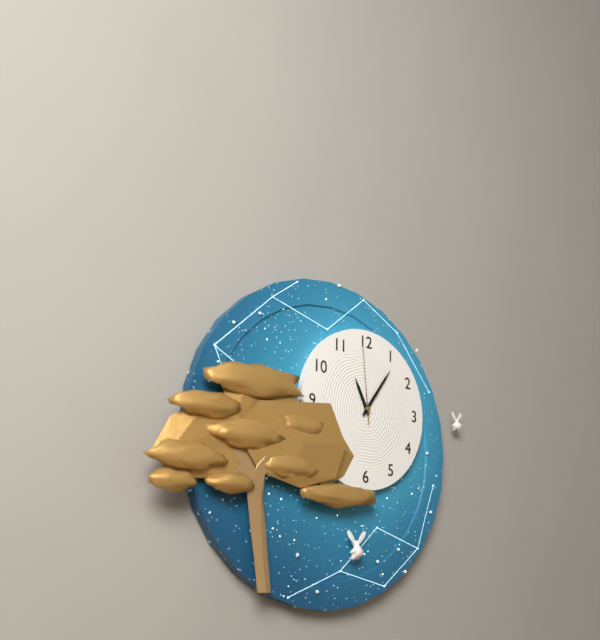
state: 11:06:59
